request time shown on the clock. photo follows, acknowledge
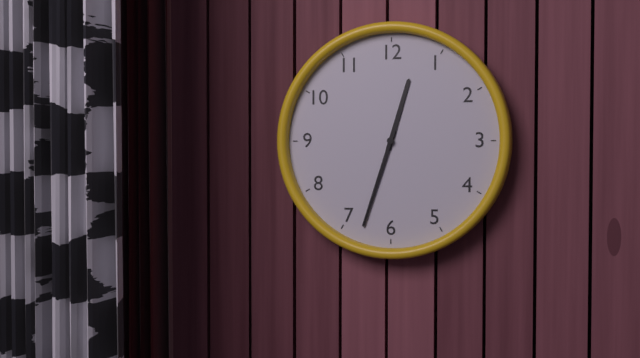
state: 12:33
